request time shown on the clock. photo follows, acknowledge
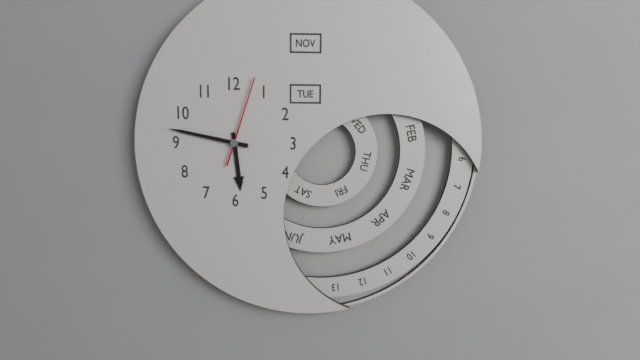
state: 5:47:03
